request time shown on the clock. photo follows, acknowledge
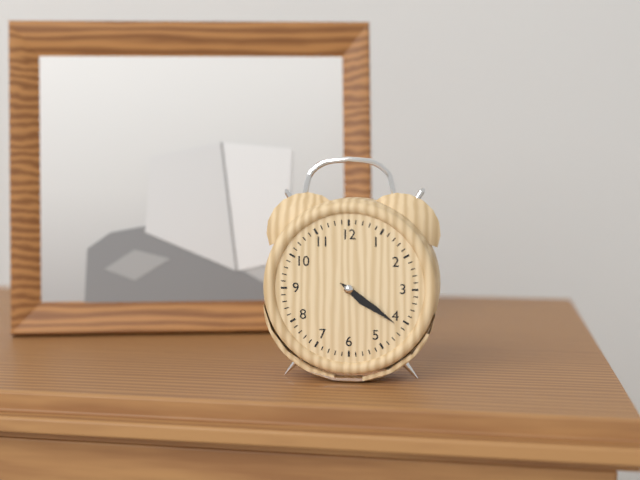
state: 4:21
